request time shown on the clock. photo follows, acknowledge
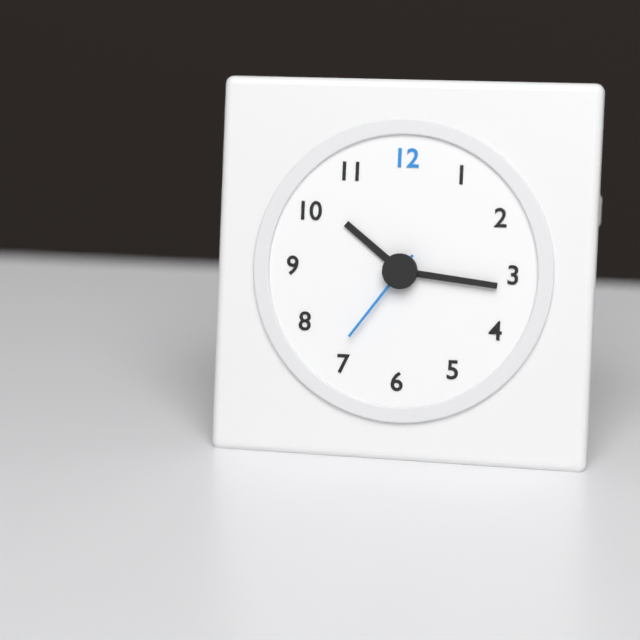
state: 10:16:36
